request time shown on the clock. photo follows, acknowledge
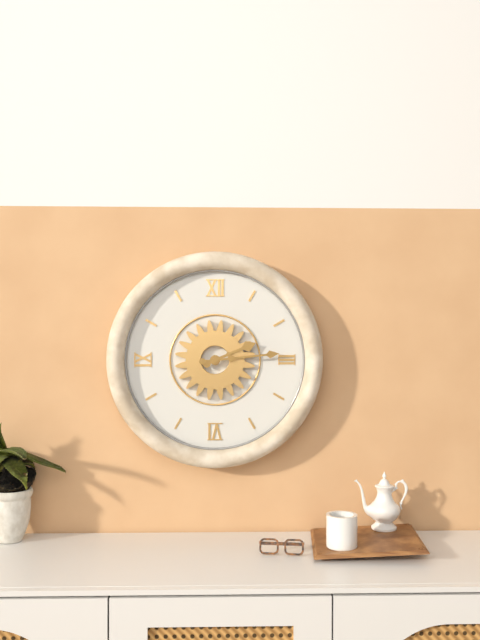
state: 2:14
